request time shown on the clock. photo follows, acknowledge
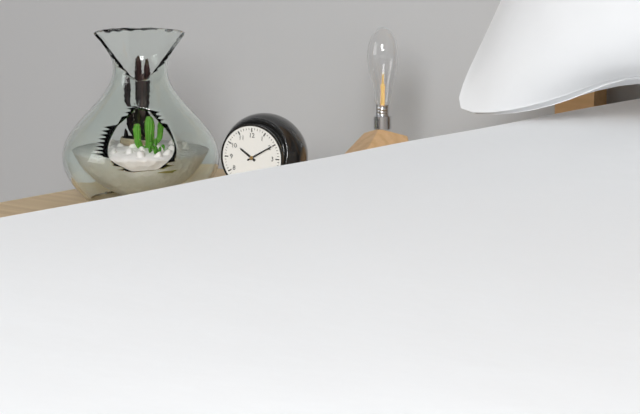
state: 10:10
